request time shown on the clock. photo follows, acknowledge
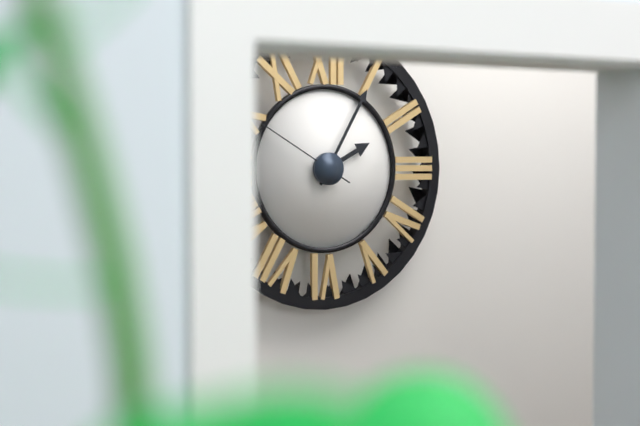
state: 2:05:50
